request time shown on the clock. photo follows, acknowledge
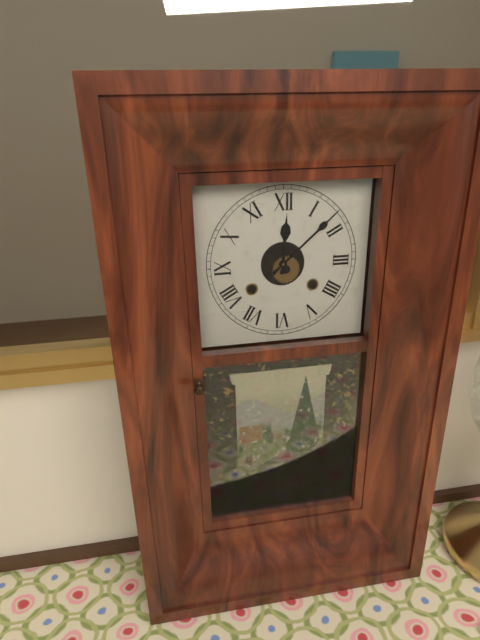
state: 12:08
